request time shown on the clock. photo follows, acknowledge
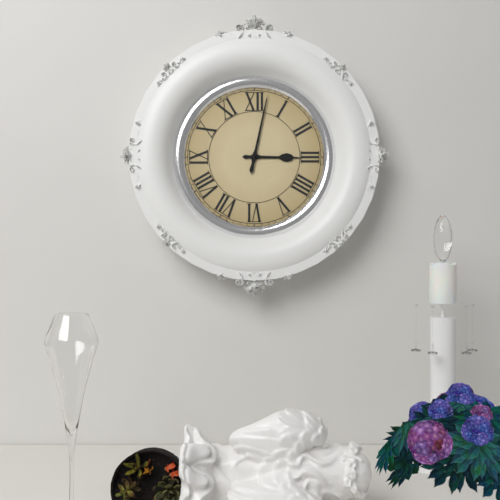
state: 3:02
